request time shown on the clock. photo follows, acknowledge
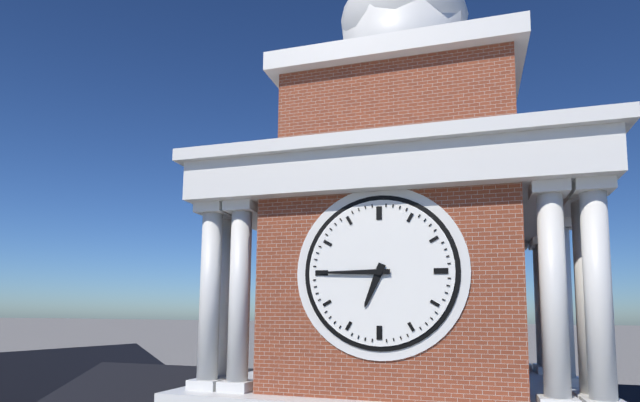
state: 6:45
